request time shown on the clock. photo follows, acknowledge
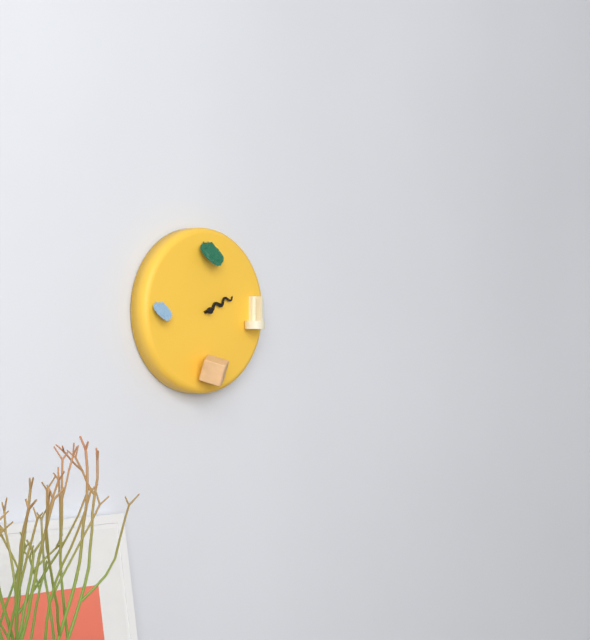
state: 2:11
